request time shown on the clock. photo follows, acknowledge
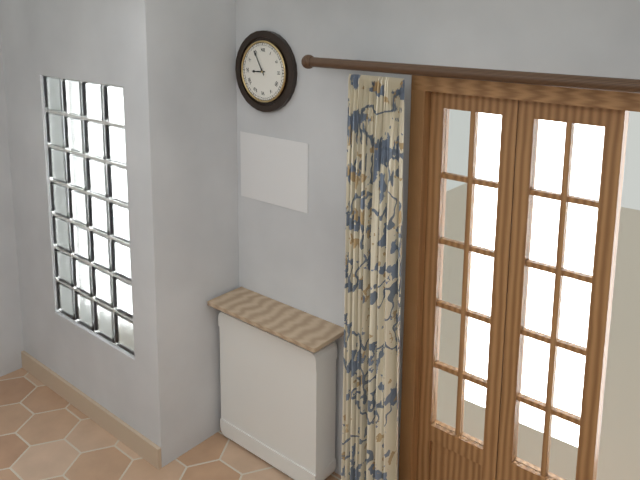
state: 8:55
